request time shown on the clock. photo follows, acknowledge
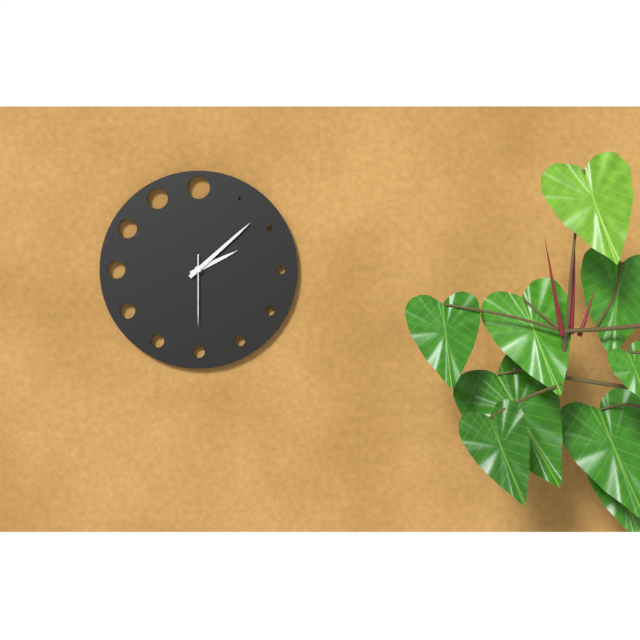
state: 2:08:30
